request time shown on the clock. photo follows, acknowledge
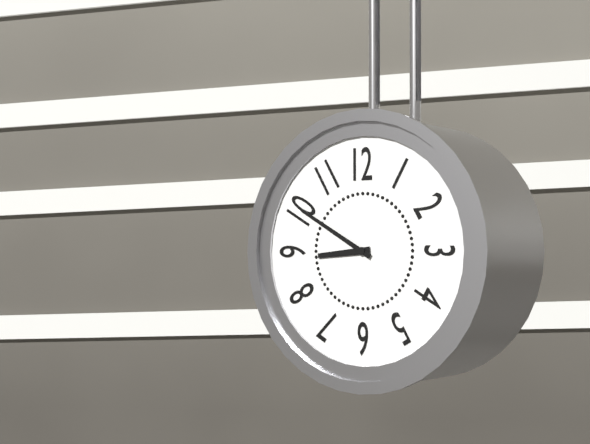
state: 8:50
